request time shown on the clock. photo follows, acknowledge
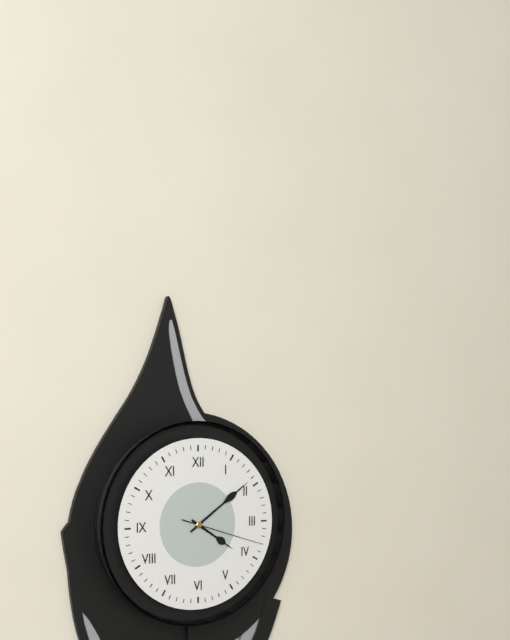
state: 4:09:18
